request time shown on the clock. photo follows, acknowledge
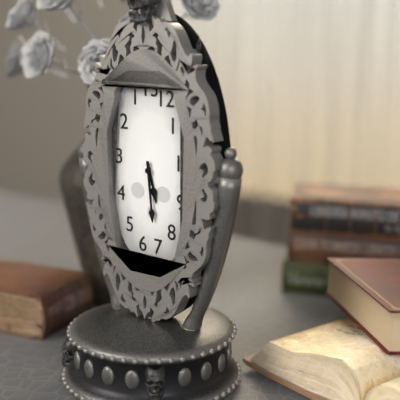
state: 5:29
